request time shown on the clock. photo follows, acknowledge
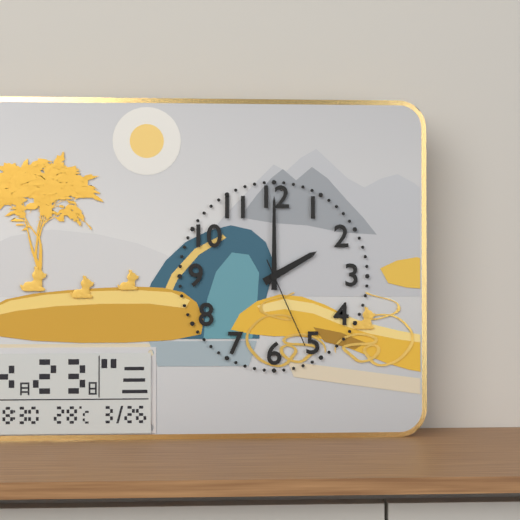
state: 2:00:26
